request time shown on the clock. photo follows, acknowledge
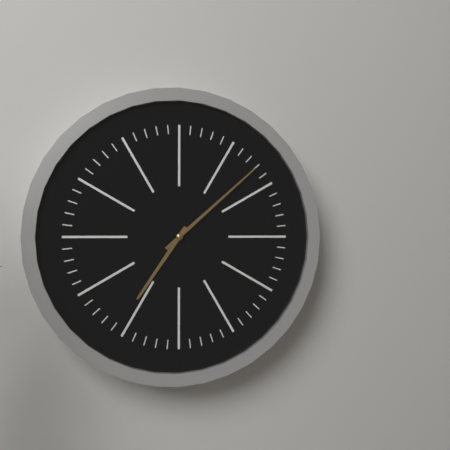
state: 7:08
